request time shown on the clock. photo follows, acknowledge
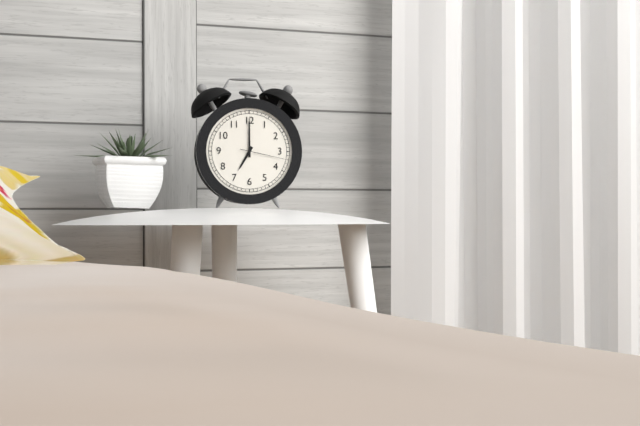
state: 7:00
